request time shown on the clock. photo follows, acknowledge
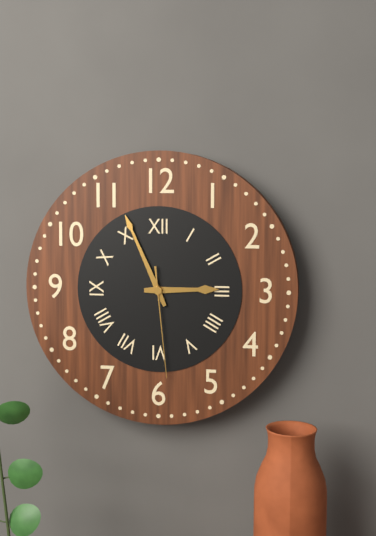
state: 2:56:29
